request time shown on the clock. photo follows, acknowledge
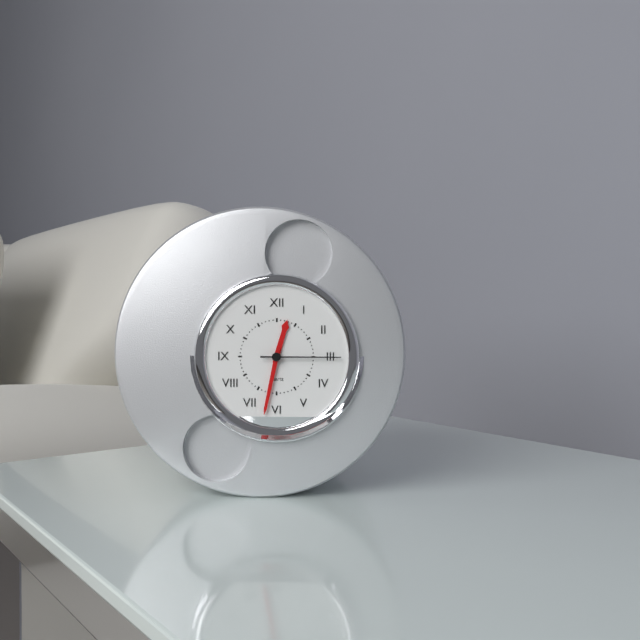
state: 12:32:15
